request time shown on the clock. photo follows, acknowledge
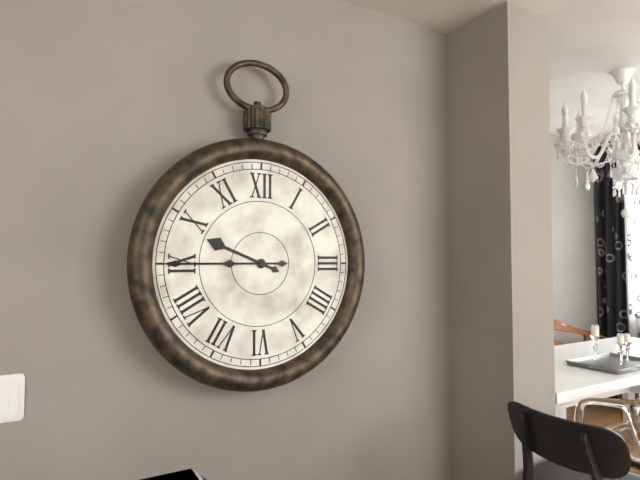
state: 9:45
